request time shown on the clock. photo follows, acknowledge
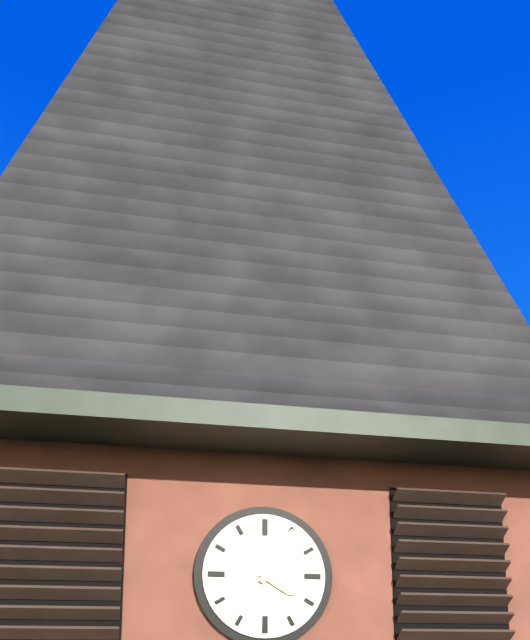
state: 4:05
